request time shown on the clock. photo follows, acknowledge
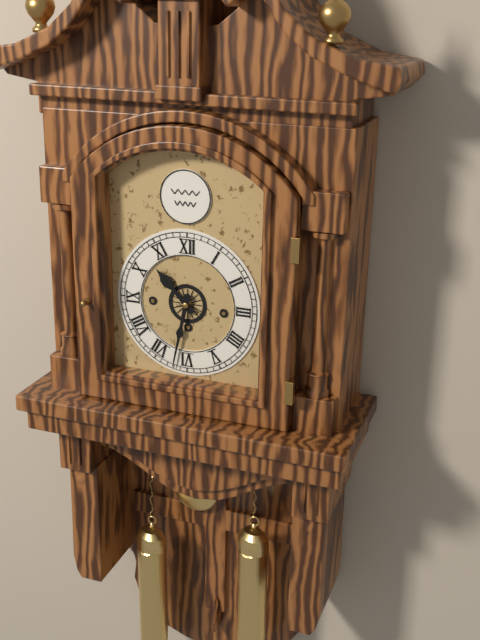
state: 10:32
